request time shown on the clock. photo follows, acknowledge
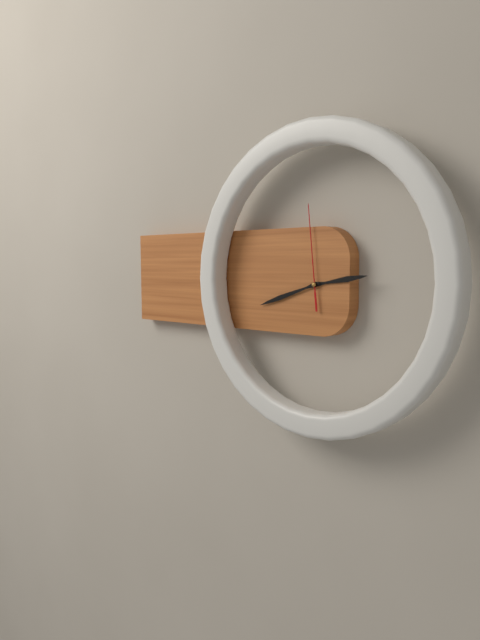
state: 2:42:59
